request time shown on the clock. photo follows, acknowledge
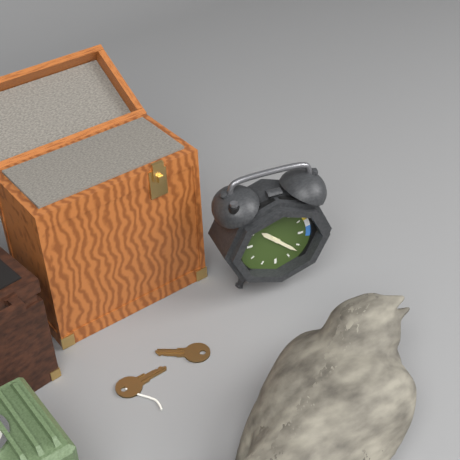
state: 10:22
